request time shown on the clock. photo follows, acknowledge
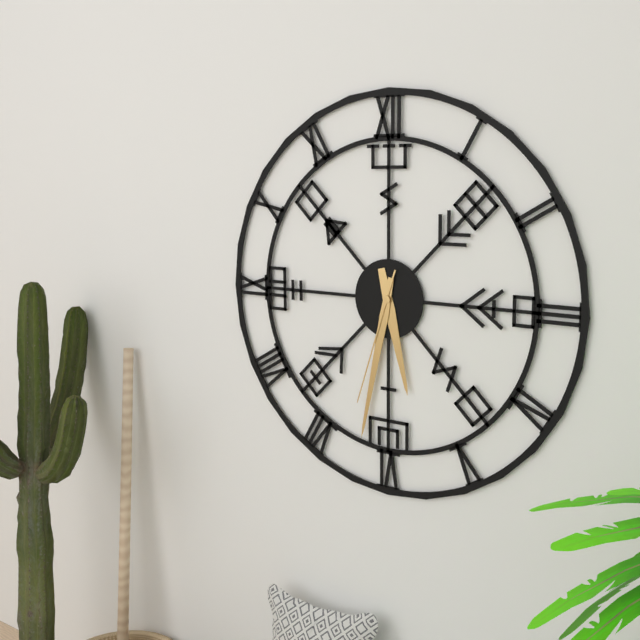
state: 5:32:33
